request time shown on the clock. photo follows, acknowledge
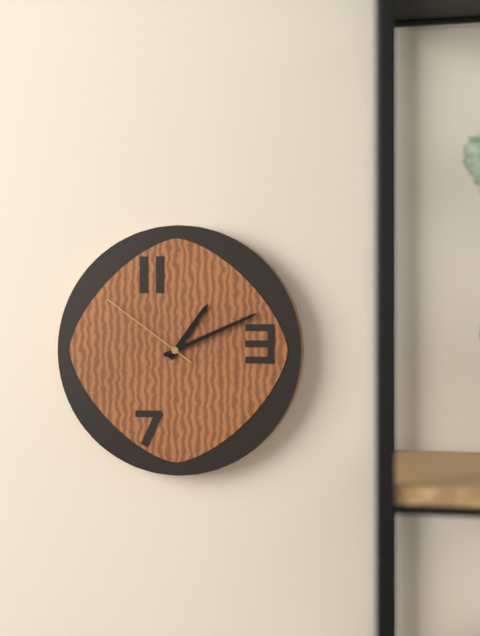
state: 1:11:51
